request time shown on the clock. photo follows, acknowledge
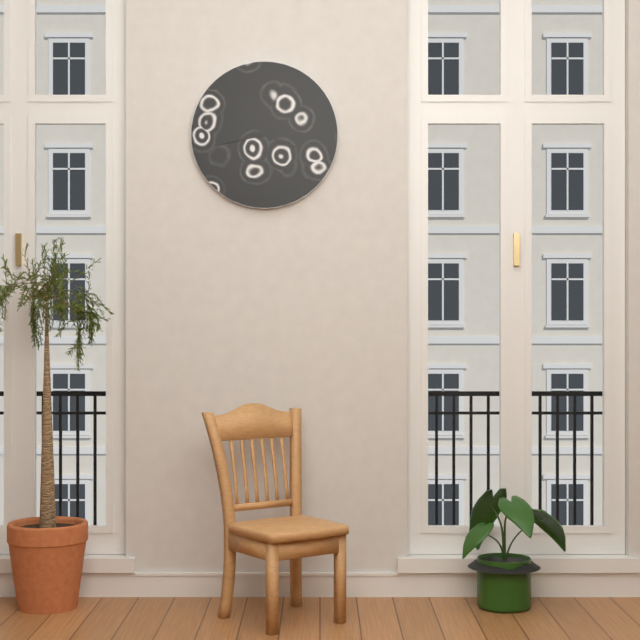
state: 3:43
